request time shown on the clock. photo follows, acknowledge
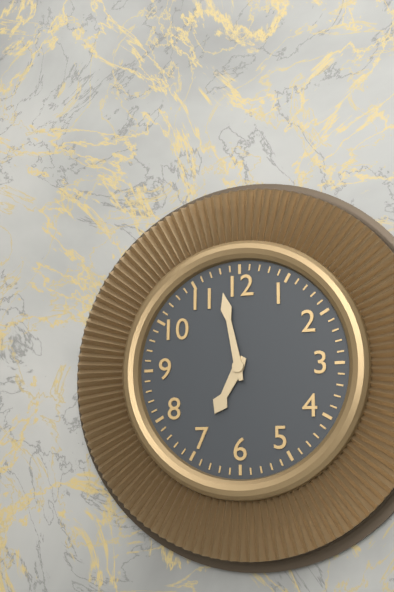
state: 6:58
